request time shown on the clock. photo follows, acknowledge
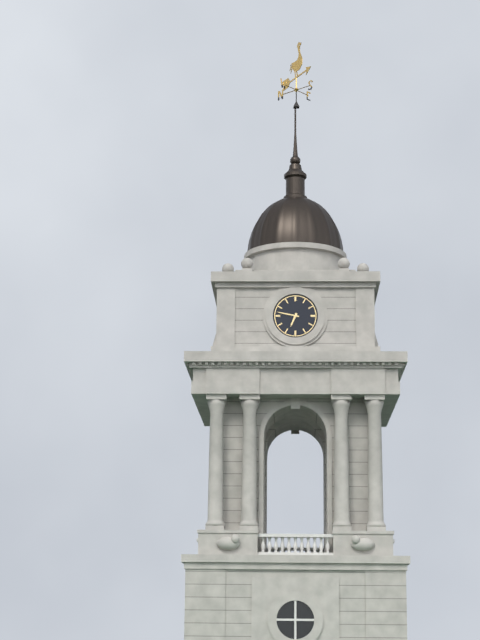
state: 6:47
